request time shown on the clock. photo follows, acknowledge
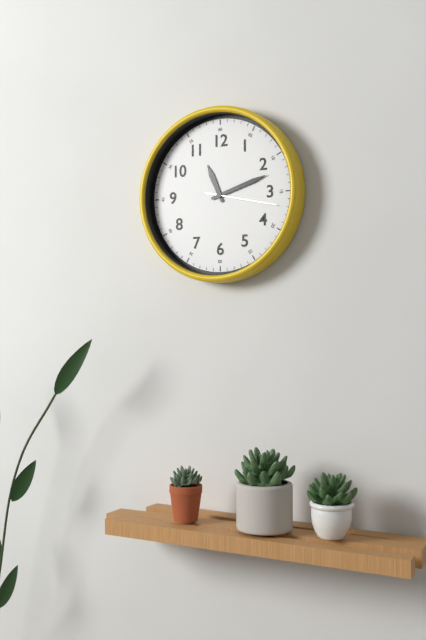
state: 11:12:17
